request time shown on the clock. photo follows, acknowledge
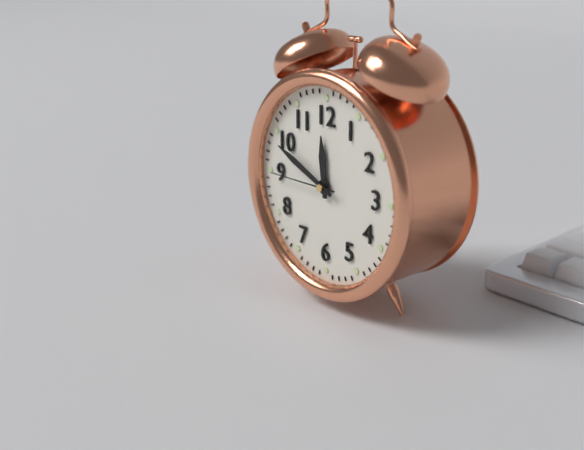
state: 11:49:45
